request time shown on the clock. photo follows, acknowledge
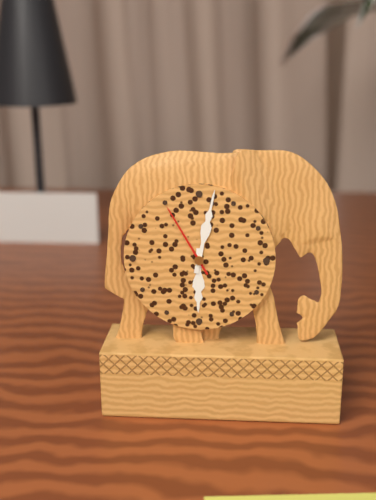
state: 6:02:55
